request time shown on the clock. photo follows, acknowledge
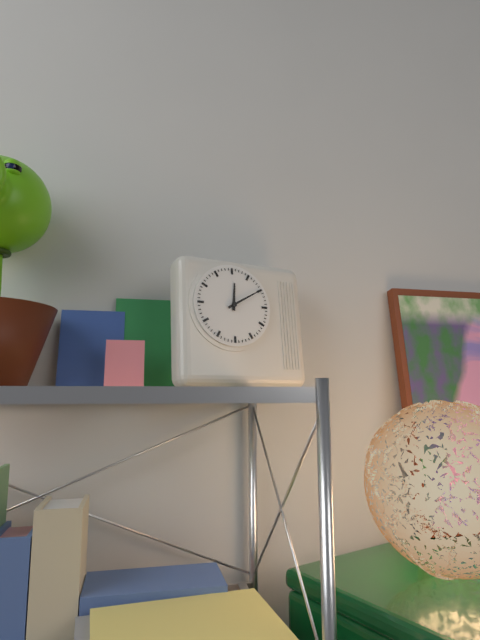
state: 12:10
